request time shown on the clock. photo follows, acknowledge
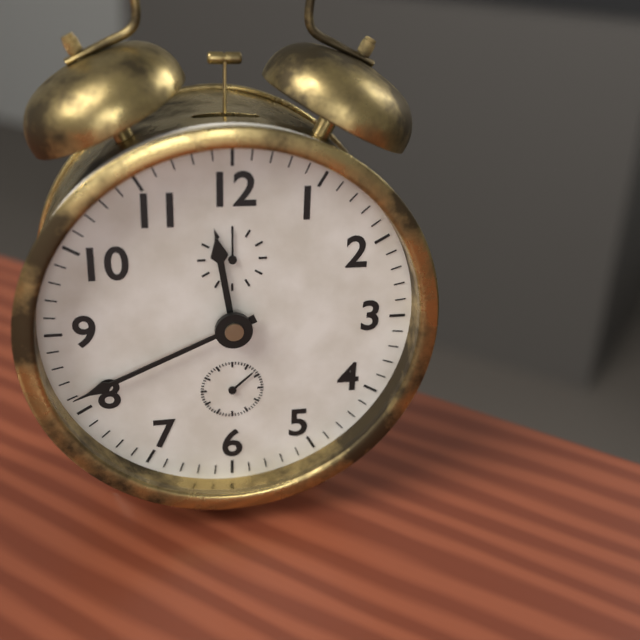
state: 11:41
